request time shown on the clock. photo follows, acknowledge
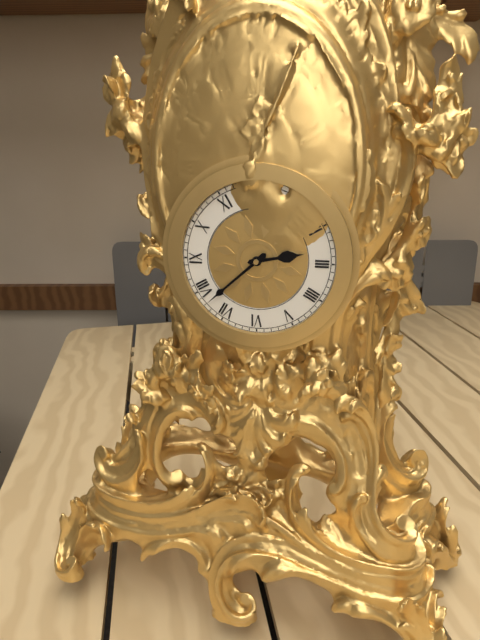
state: 2:38
